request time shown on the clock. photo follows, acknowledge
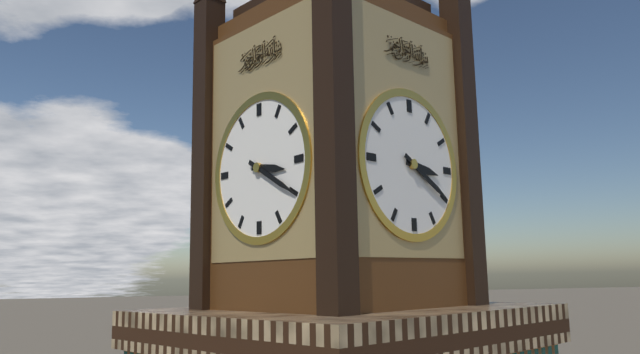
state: 3:20
